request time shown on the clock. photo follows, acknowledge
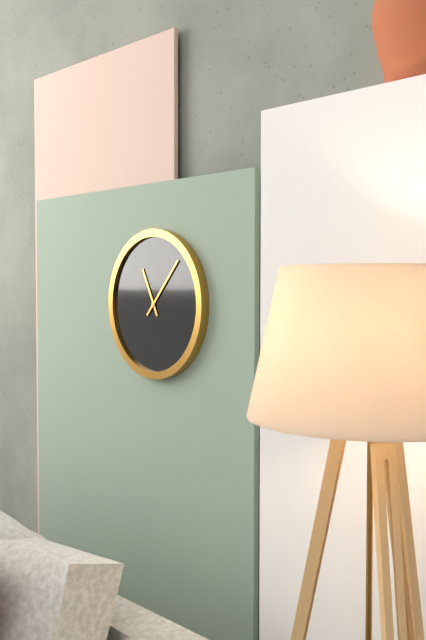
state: 11:07
